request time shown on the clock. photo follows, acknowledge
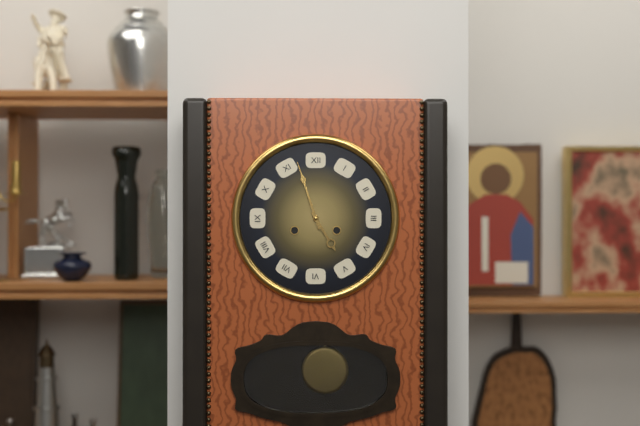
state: 4:57
